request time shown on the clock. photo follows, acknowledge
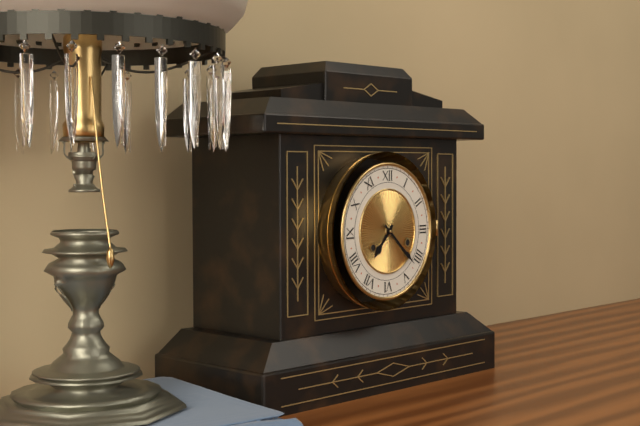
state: 7:22
